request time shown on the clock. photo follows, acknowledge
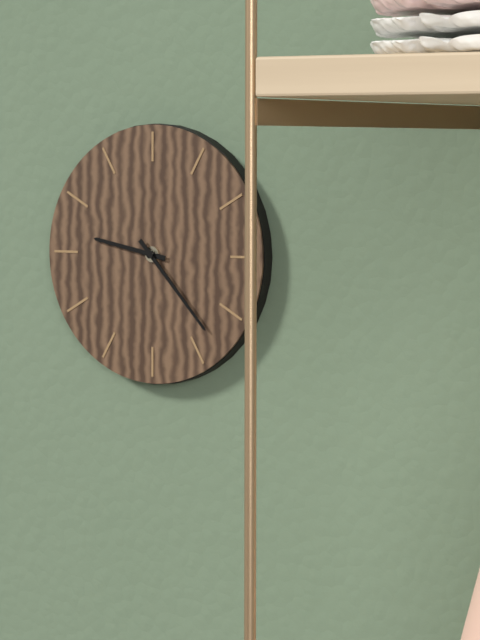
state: 9:23
